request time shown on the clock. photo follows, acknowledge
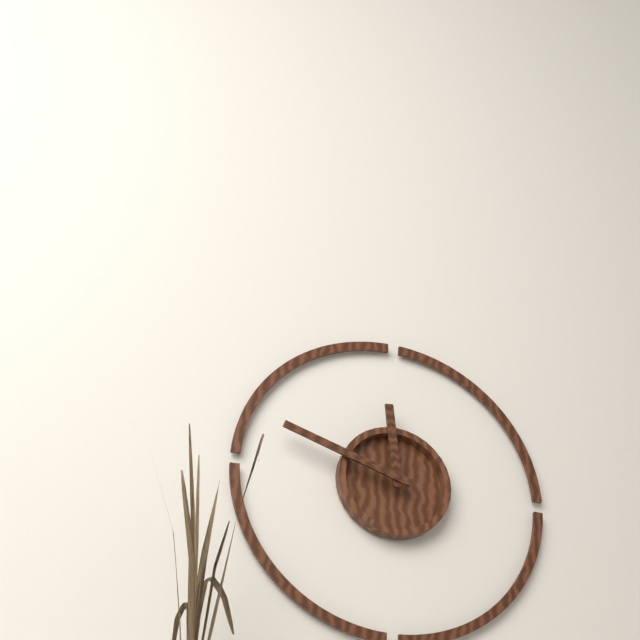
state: 11:48
